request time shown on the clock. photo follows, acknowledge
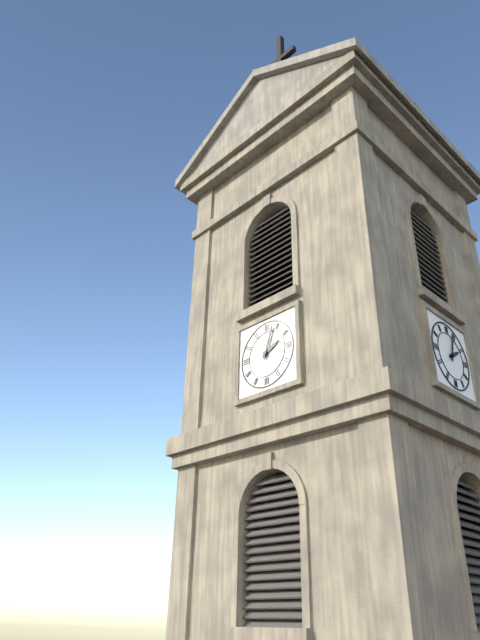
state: 2:03
